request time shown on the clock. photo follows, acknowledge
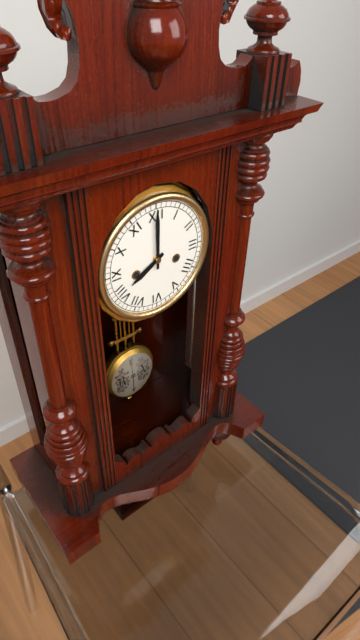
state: 8:00
